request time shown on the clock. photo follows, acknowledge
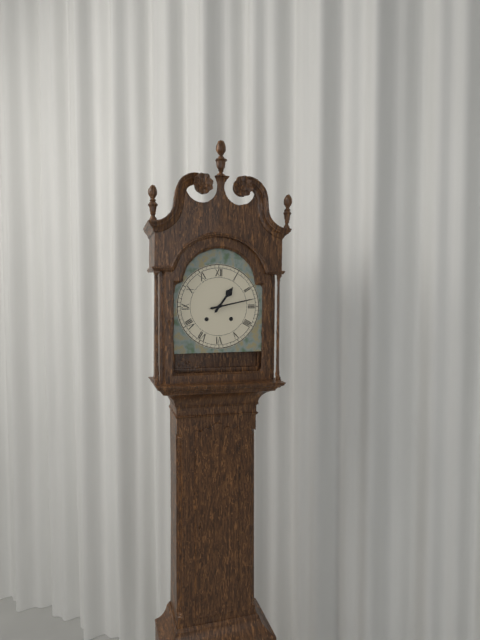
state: 1:13
